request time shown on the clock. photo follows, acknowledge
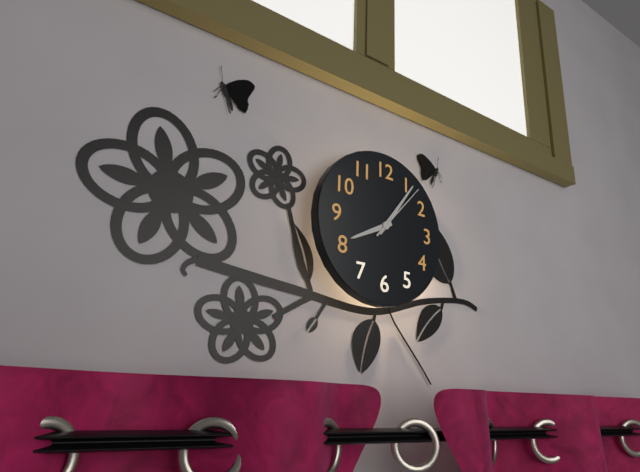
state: 8:06:07
